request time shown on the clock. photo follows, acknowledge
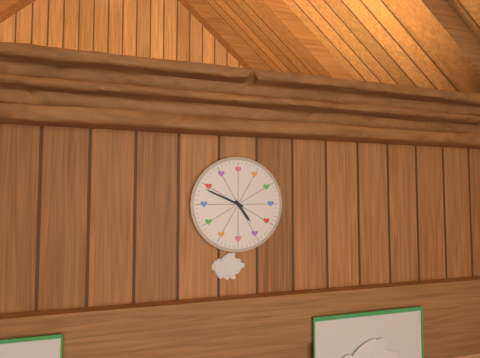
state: 4:49
